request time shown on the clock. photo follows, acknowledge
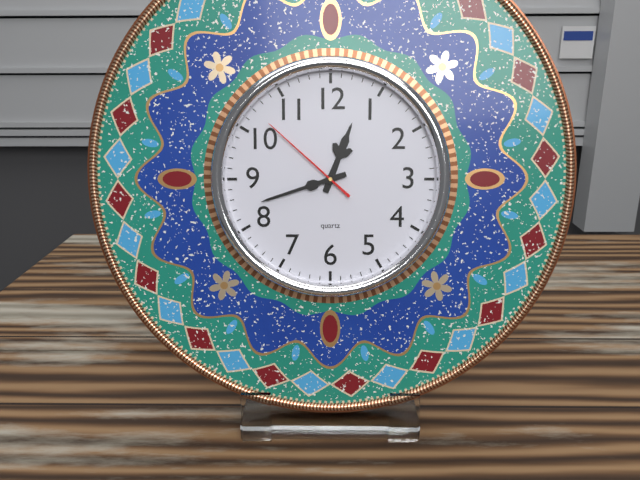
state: 12:42:52
